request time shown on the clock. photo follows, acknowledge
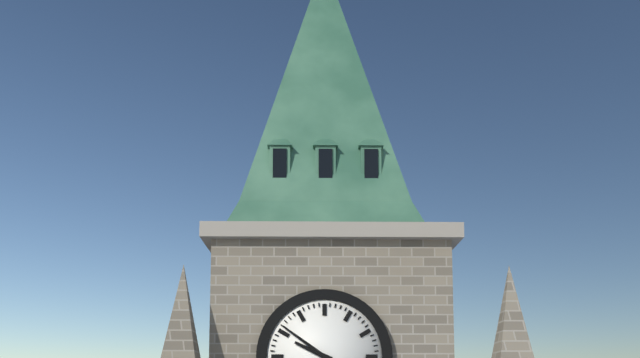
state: 9:51
